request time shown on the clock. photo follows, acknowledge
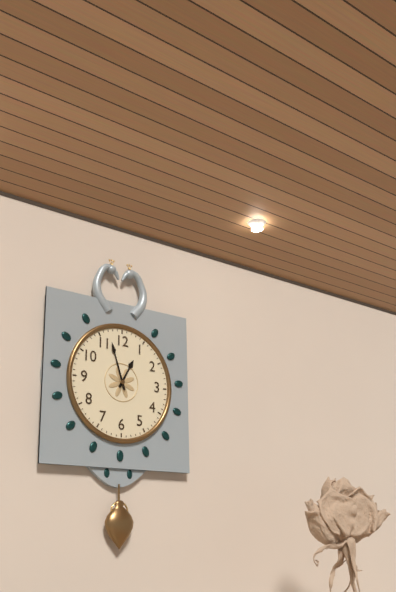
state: 12:57
